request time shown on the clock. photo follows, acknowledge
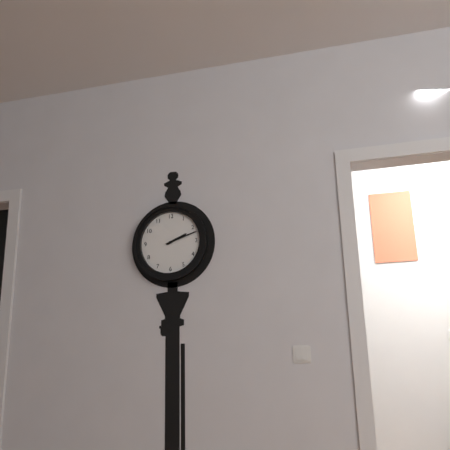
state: 2:12
